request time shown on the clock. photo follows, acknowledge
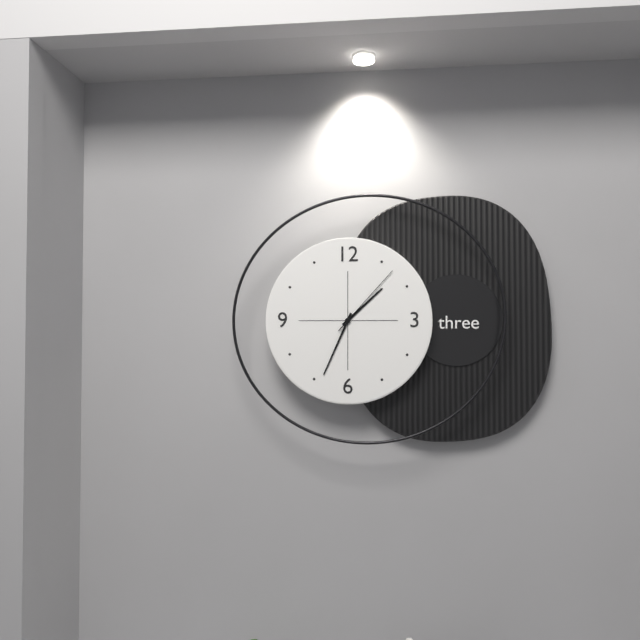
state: 1:34:07
